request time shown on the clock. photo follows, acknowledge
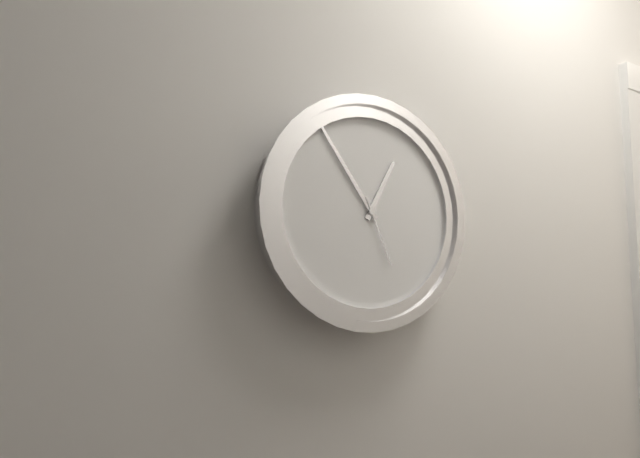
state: 12:54:26
